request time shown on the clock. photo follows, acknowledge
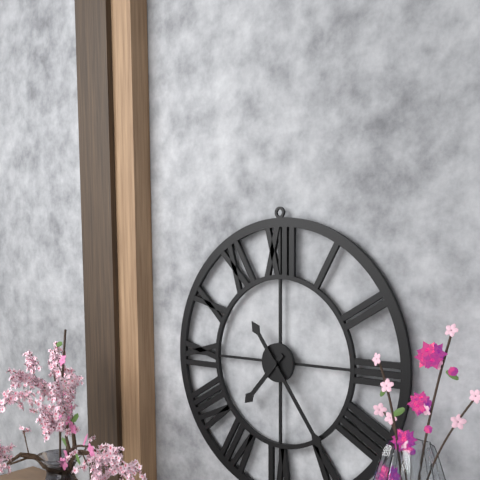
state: 7:24
